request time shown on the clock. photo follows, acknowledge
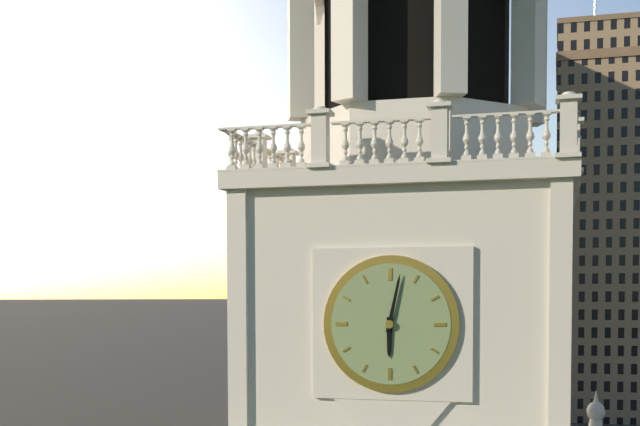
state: 6:02
